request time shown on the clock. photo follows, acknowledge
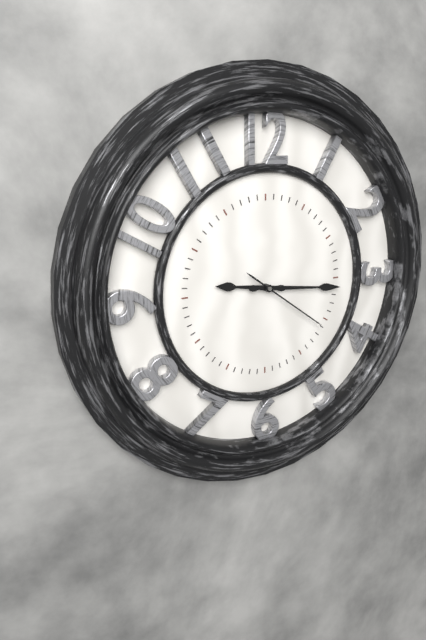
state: 9:16:21
